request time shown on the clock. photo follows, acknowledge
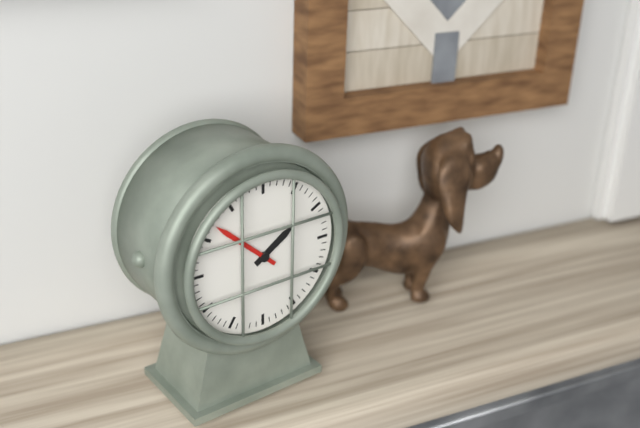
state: 1:52
